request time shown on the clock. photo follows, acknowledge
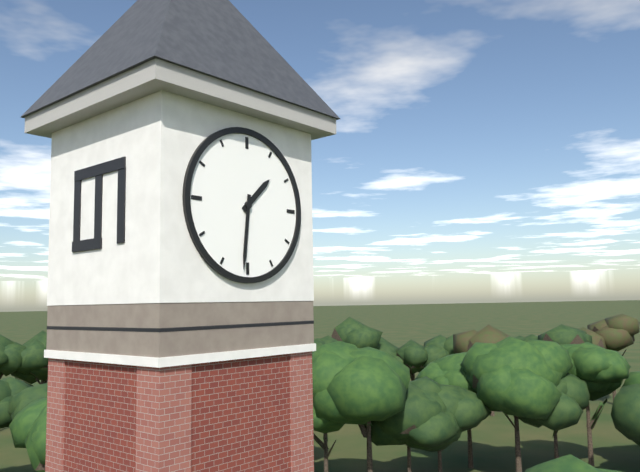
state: 1:31
